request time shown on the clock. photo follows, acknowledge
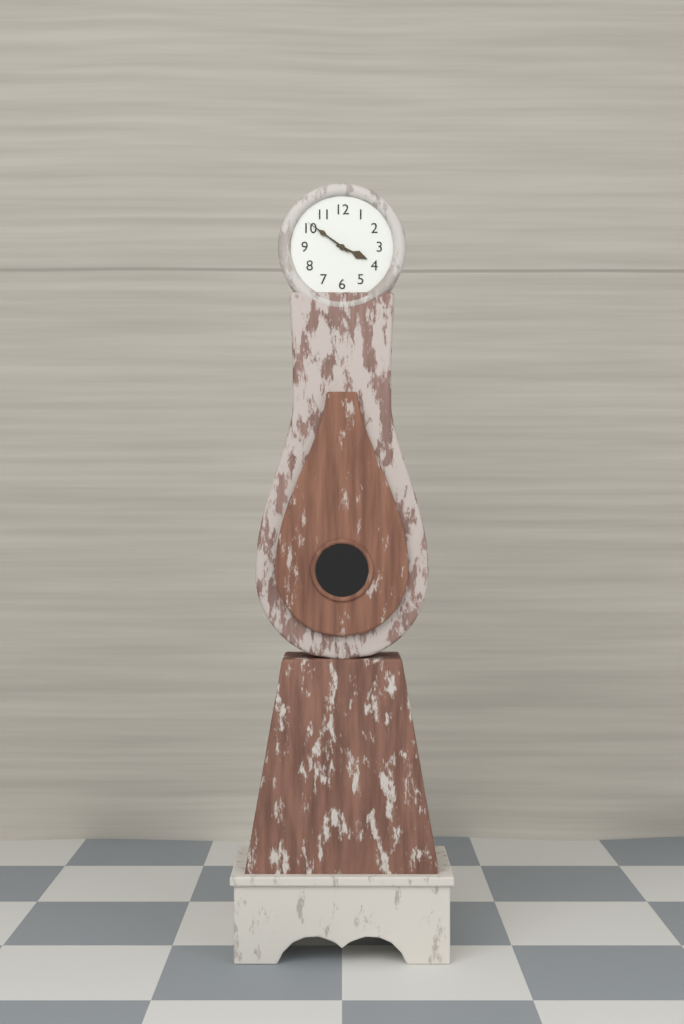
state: 3:51
